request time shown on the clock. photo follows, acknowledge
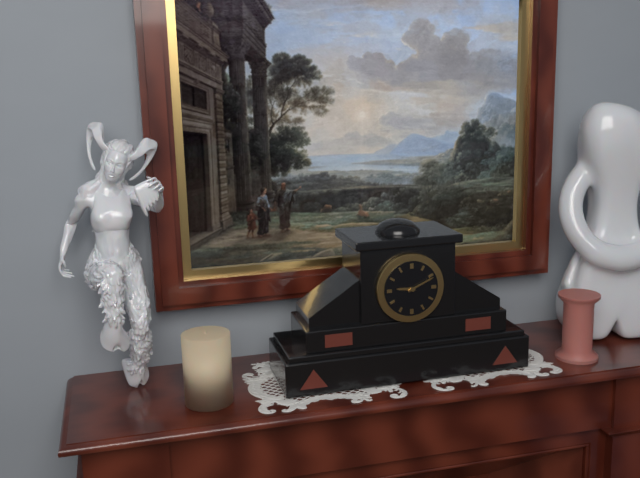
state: 9:11
